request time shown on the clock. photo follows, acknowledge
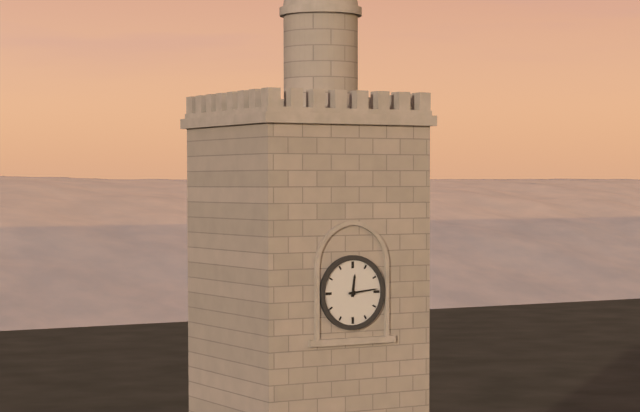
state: 12:14
